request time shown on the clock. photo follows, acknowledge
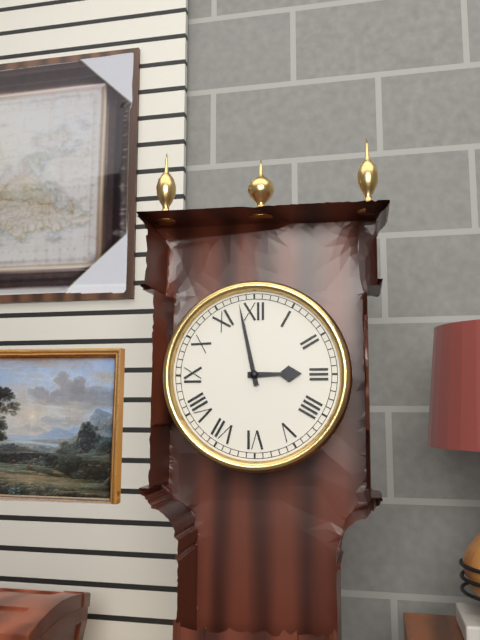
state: 2:58
